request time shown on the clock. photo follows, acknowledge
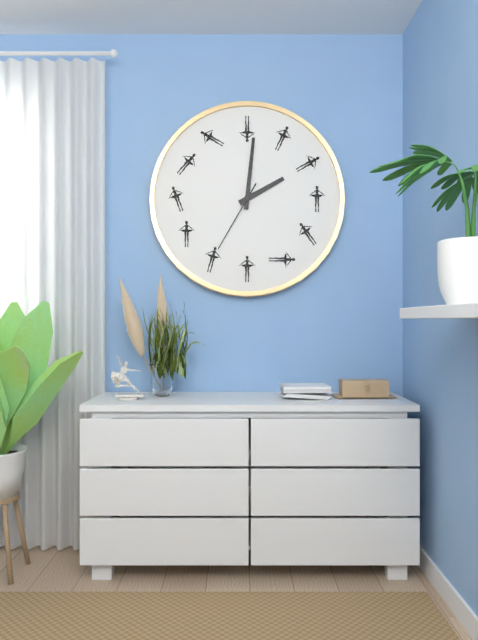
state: 2:01:35
